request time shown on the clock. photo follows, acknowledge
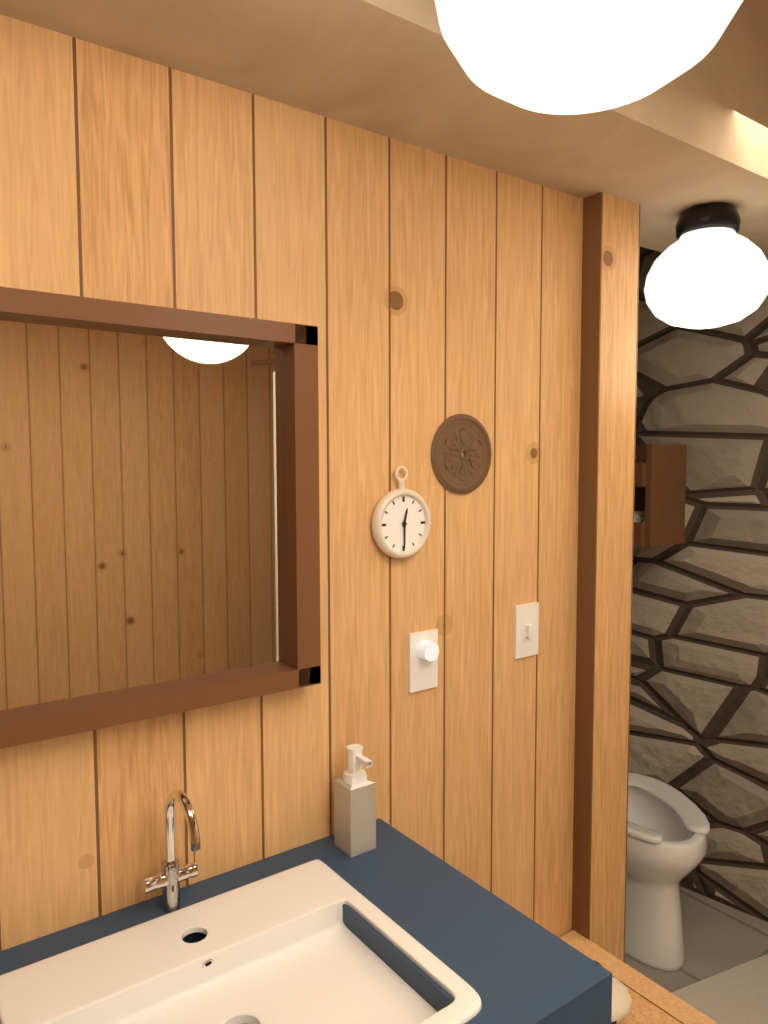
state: 12:30
